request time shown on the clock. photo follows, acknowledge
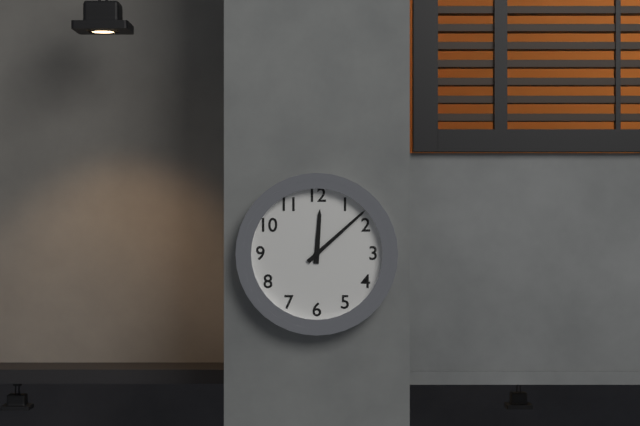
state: 12:08
